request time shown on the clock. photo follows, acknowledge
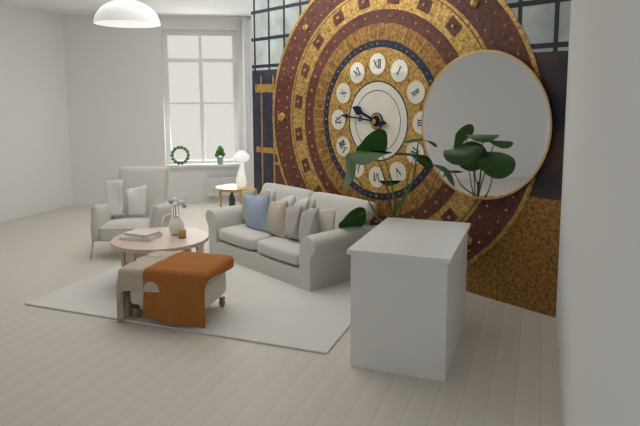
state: 9:46
